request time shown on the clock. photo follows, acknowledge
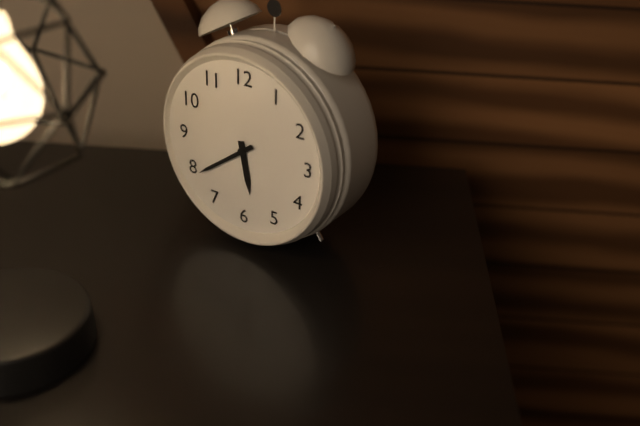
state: 5:39
